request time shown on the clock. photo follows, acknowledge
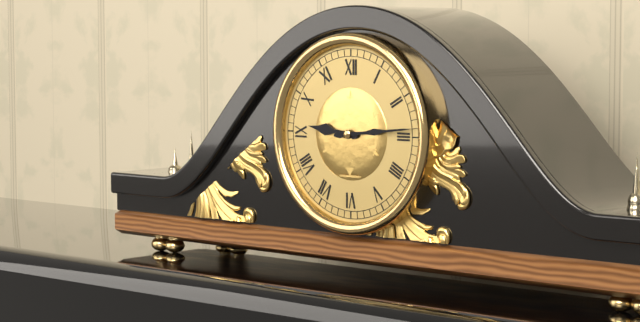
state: 9:14
